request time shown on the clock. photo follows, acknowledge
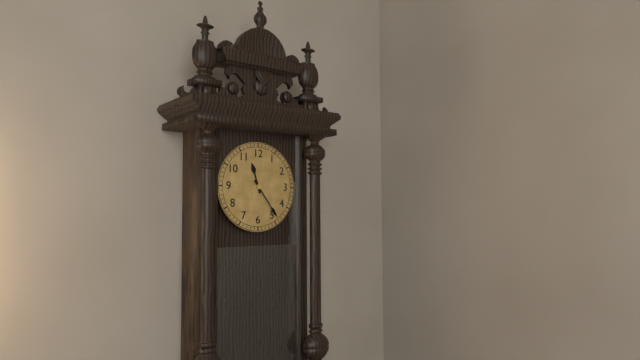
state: 11:24
